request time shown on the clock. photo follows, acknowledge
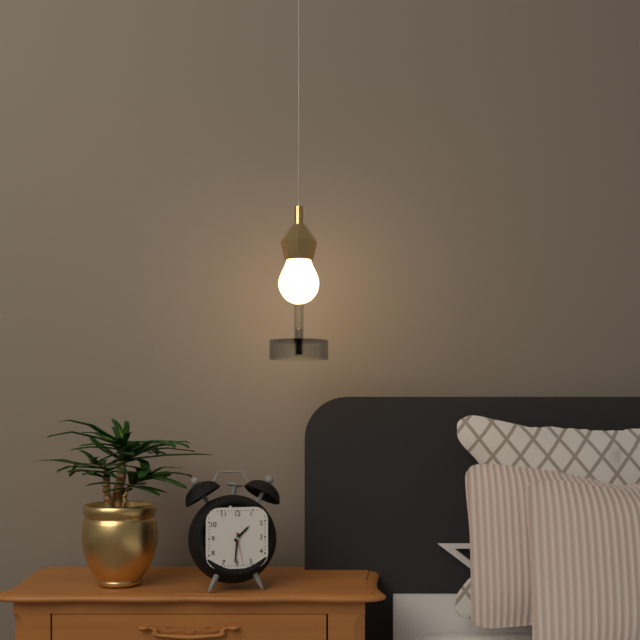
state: 1:31
